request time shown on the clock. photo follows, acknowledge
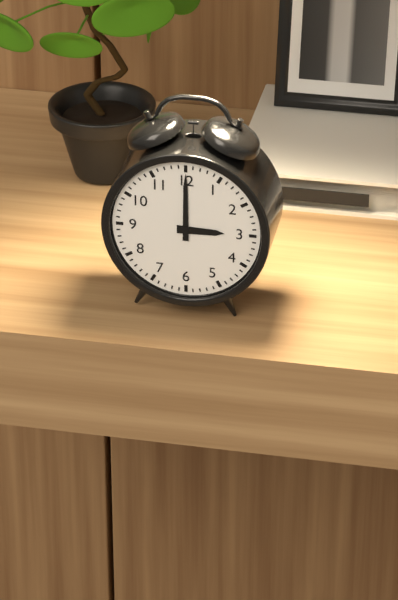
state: 3:00
